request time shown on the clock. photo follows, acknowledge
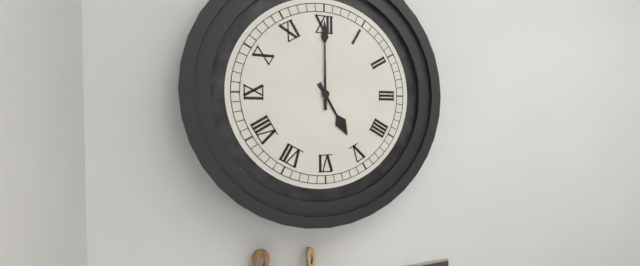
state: 5:00
